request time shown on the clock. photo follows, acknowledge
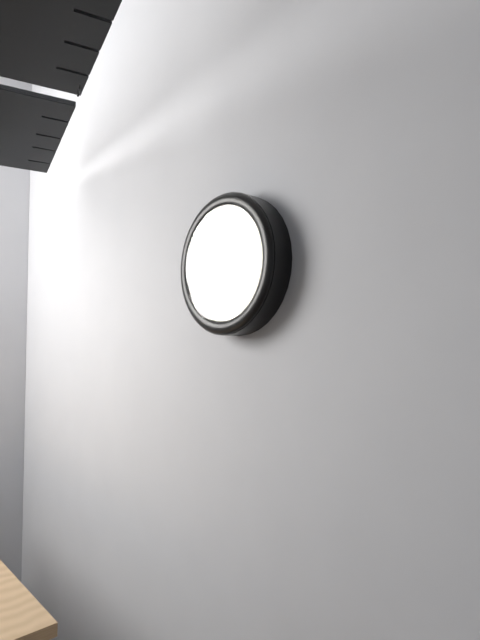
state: 4:29
